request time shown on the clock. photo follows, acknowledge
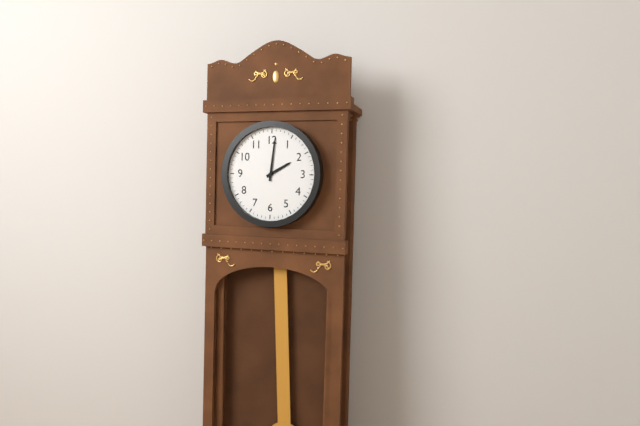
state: 2:01
